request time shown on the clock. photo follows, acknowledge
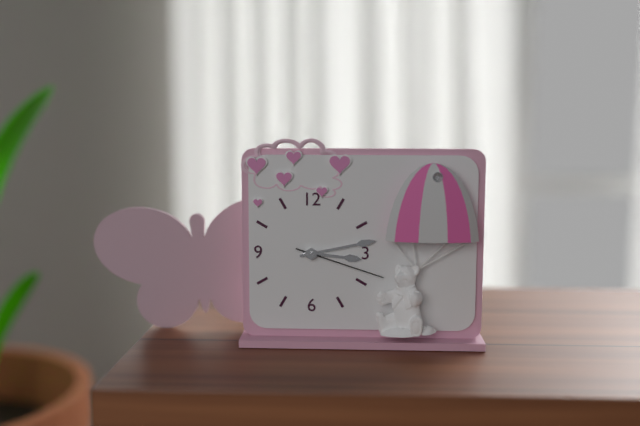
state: 3:13:18
